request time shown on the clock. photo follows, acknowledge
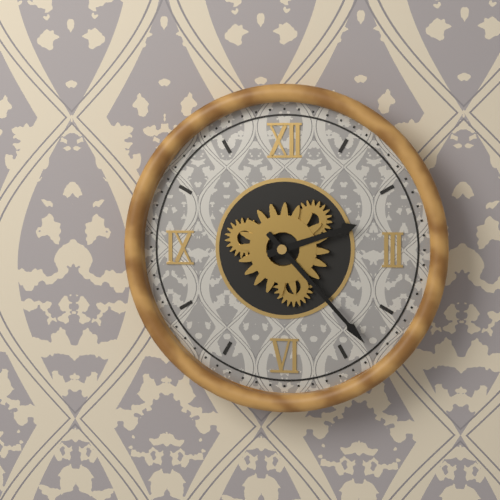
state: 2:23
